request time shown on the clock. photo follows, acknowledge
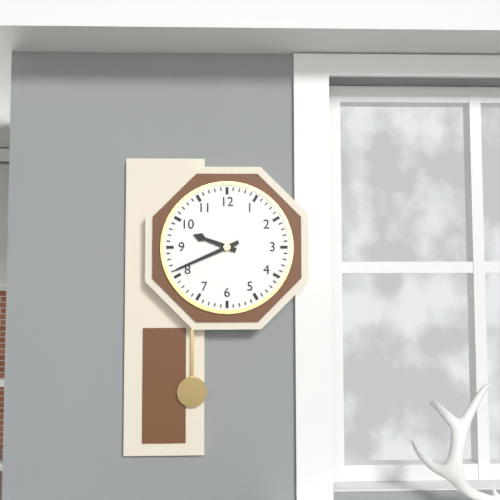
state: 9:41
